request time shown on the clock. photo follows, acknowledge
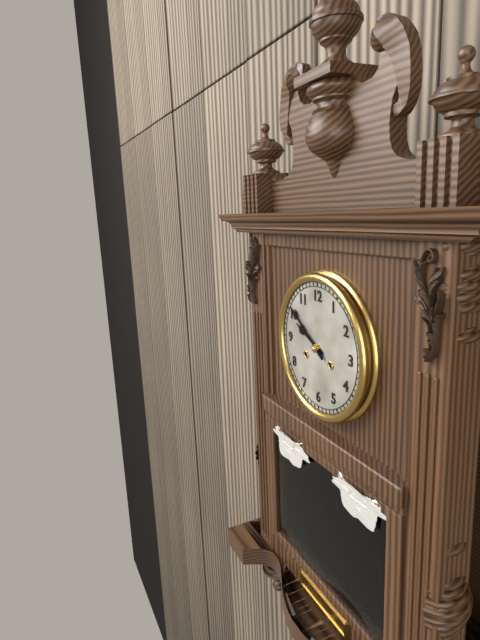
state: 9:51
